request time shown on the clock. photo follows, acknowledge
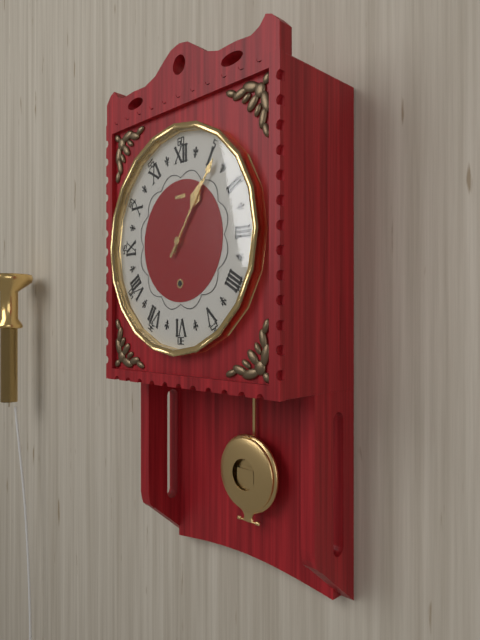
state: 1:06
